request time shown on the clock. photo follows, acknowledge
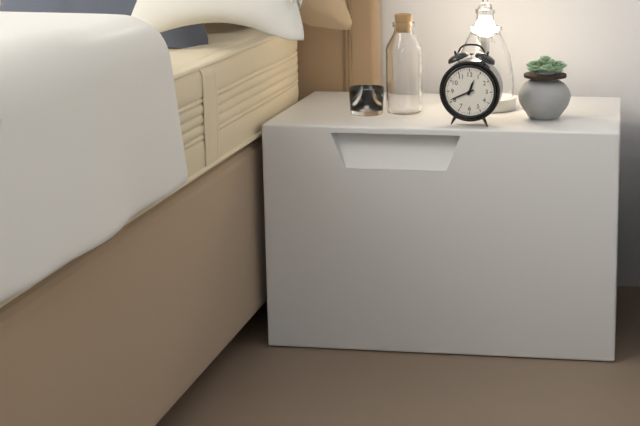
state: 12:41
